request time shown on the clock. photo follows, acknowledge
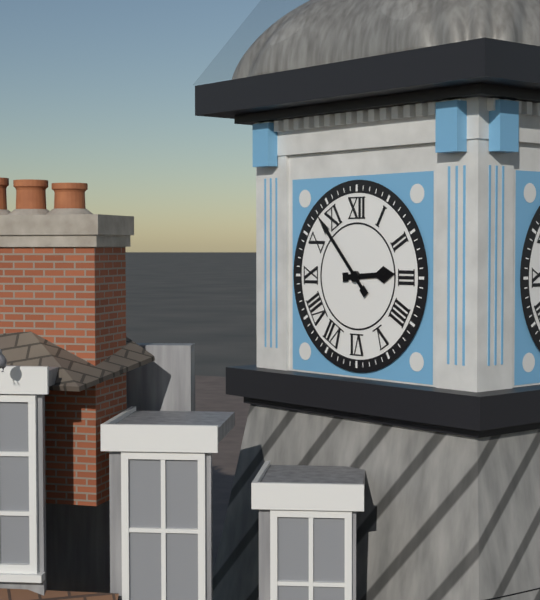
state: 2:53
